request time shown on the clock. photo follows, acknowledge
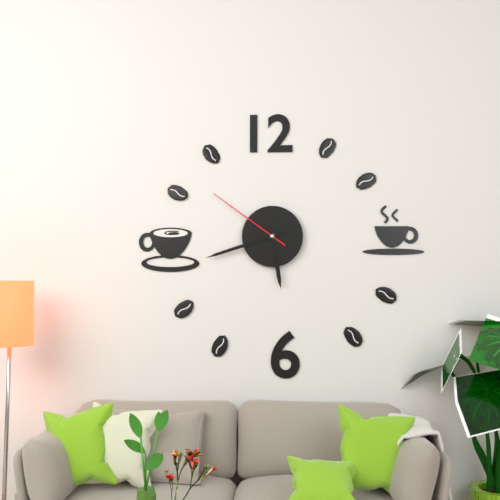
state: 5:42:51
